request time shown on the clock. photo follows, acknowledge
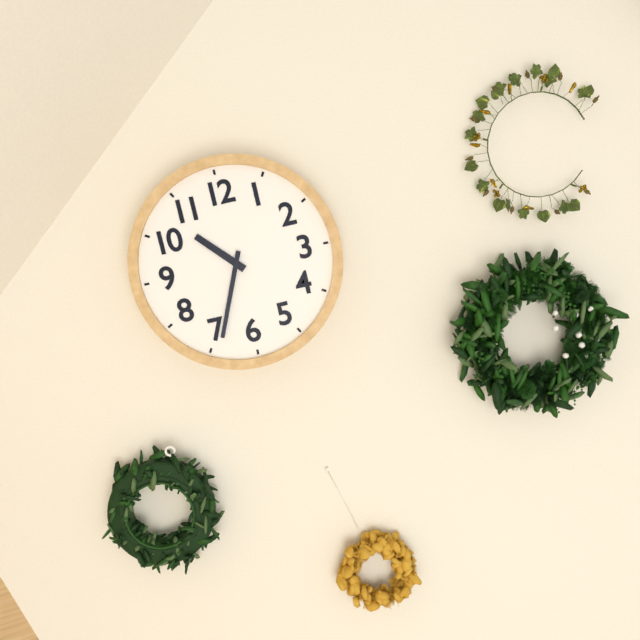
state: 10:34
